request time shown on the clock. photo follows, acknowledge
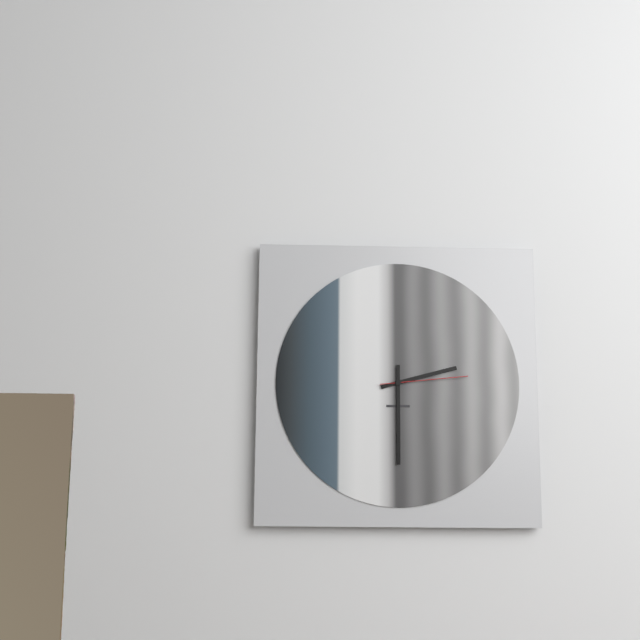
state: 2:30:14
